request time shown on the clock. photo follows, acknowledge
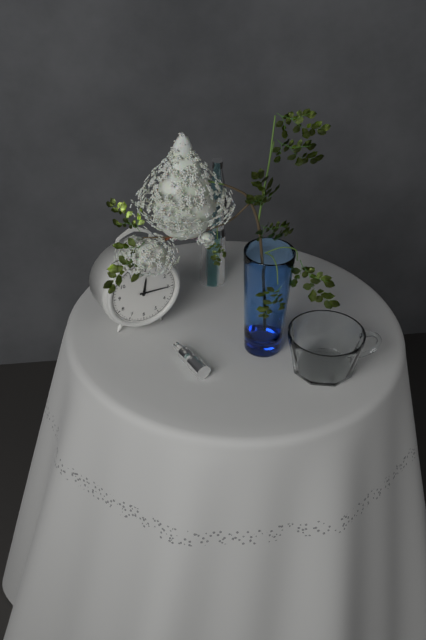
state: 12:15
